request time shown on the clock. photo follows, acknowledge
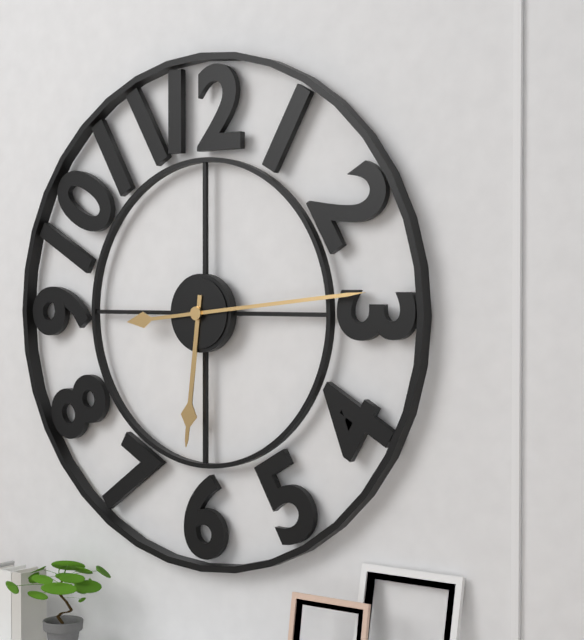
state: 6:14
